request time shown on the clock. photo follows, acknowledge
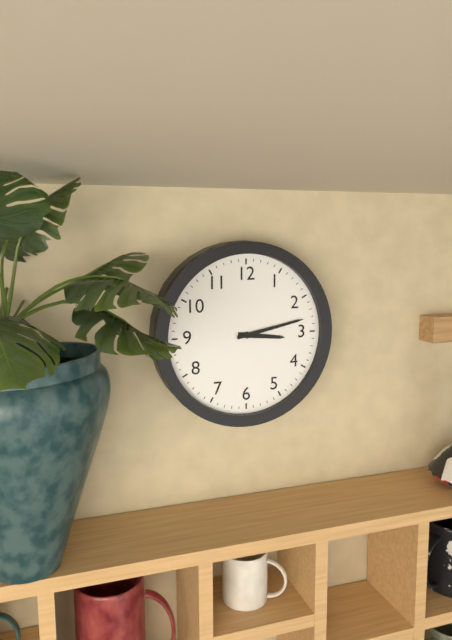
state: 3:13
